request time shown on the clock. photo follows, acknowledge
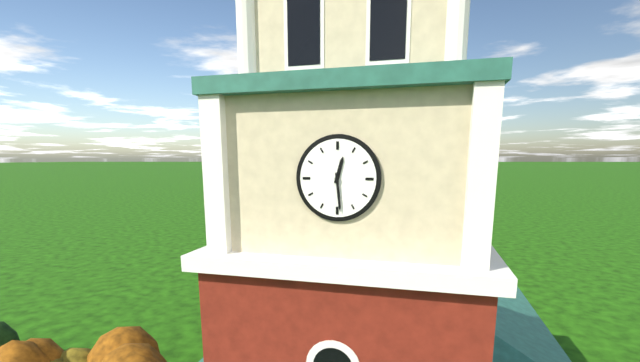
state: 12:29
